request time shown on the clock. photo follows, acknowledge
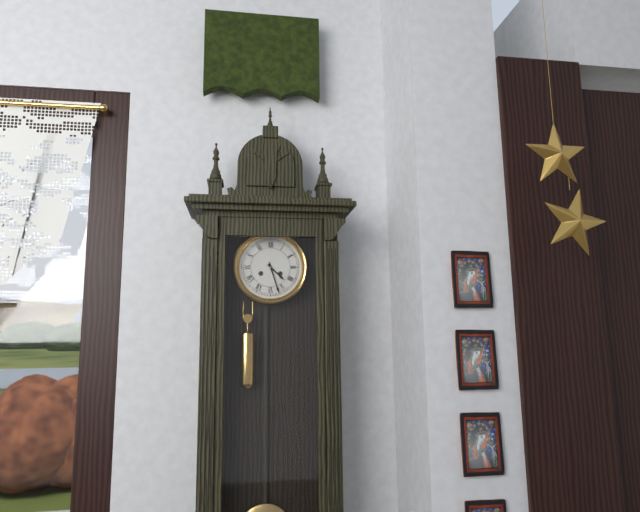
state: 4:27
